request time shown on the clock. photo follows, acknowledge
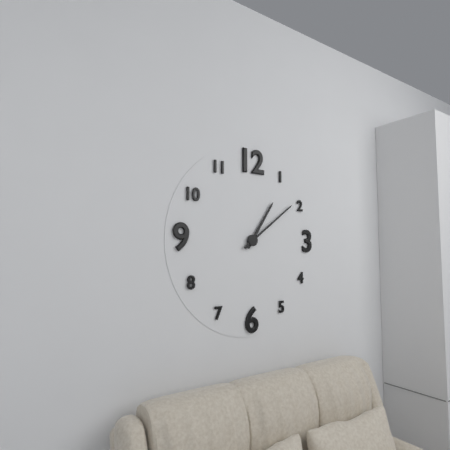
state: 1:09
